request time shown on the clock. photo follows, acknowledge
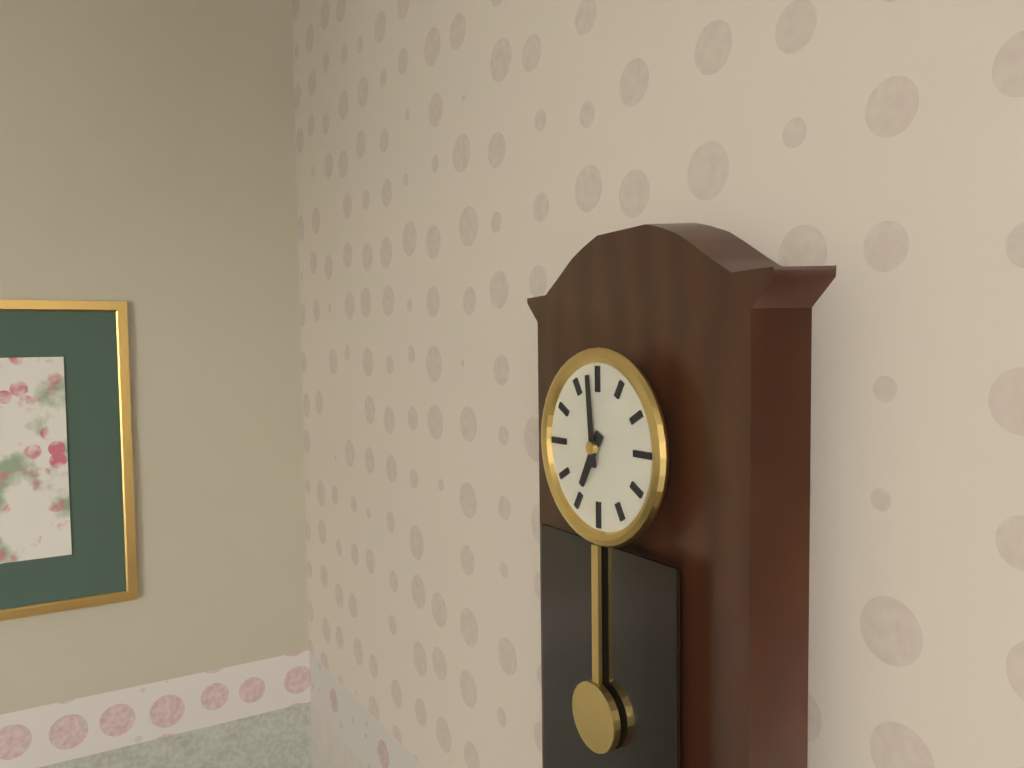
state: 6:59
